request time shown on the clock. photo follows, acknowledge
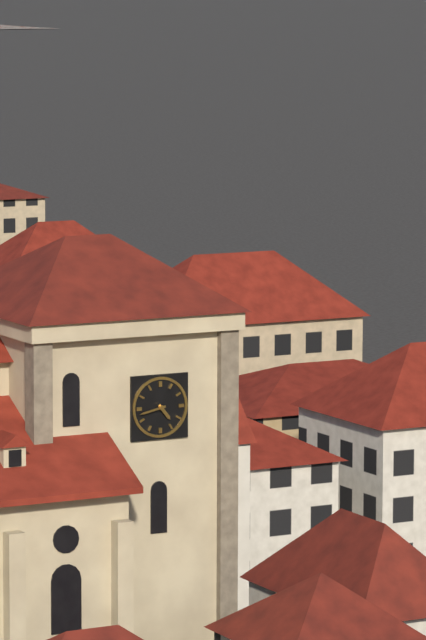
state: 4:43
